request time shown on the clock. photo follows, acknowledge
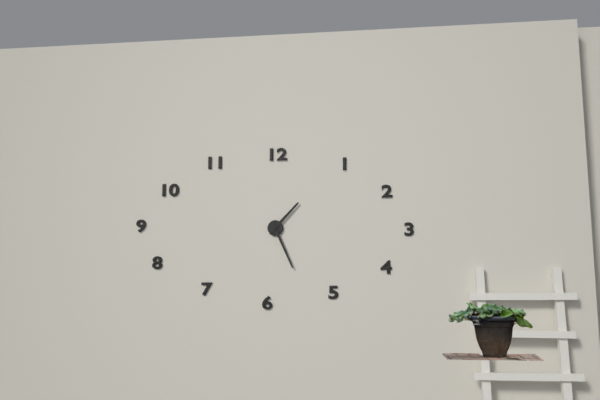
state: 1:26
